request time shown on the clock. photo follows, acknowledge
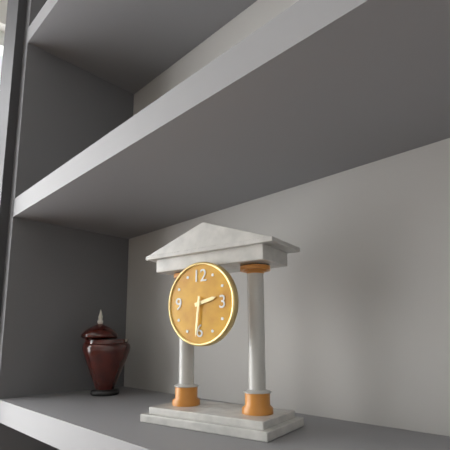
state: 2:31
